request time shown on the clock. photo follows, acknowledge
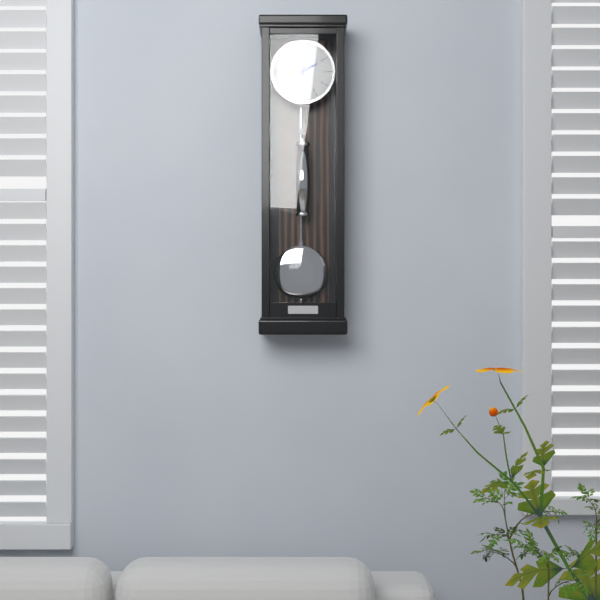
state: 2:01
